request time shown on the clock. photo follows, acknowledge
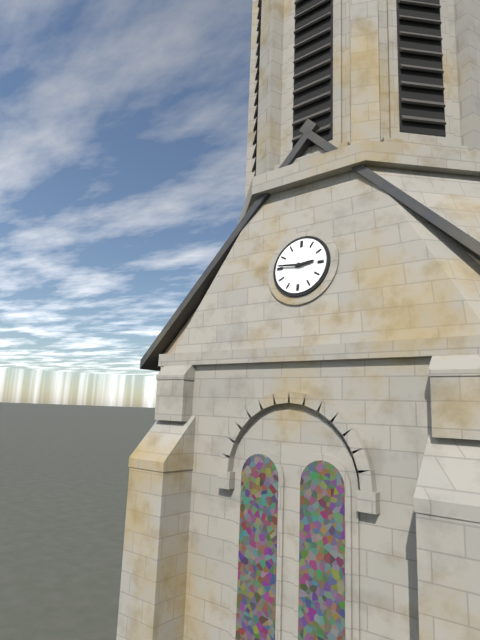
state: 2:46
